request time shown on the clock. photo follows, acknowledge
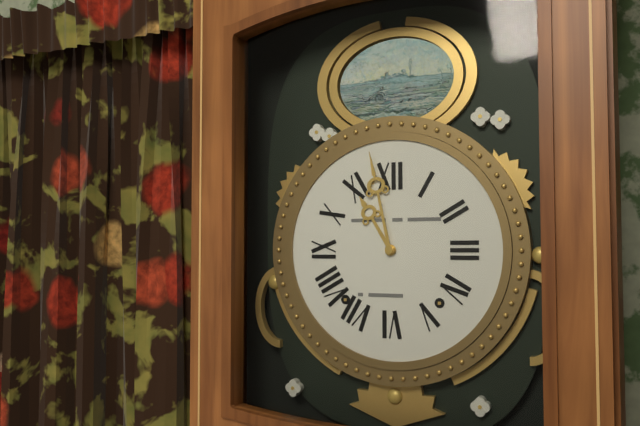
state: 10:58
